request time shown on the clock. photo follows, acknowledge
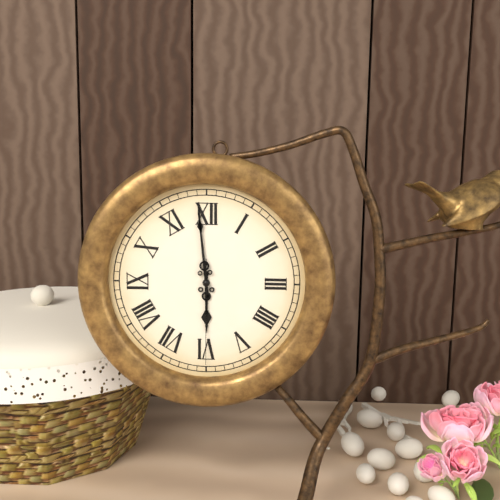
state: 5:59:30
